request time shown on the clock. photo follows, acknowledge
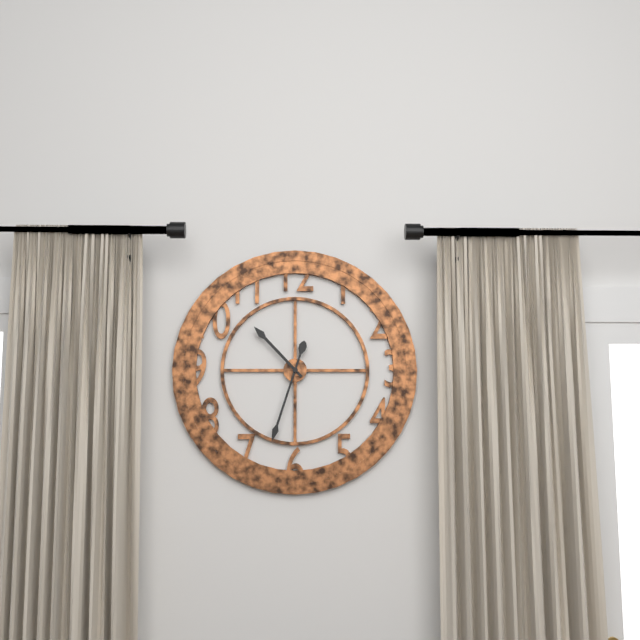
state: 10:33
